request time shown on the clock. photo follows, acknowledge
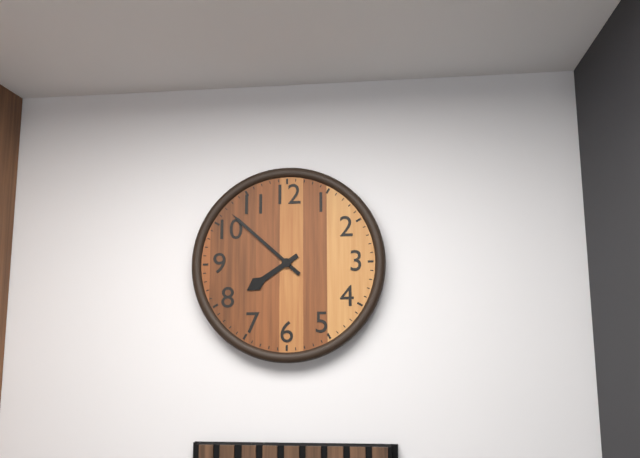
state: 7:52
